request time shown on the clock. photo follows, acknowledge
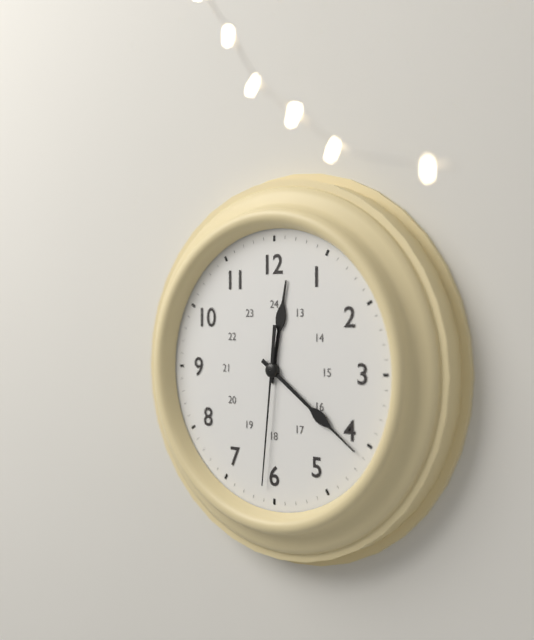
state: 12:21:31
